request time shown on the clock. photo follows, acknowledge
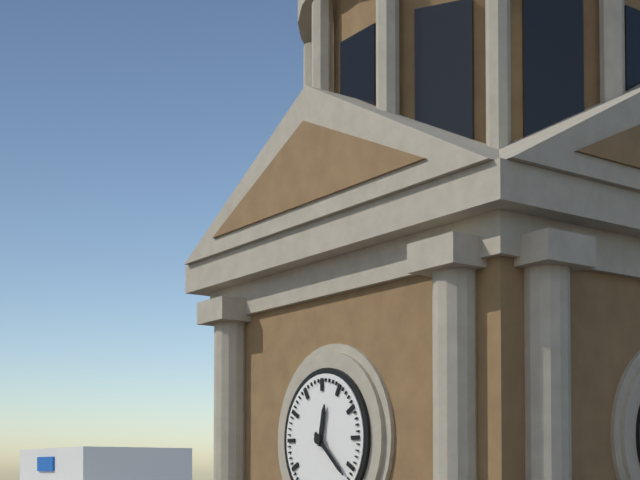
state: 12:22
